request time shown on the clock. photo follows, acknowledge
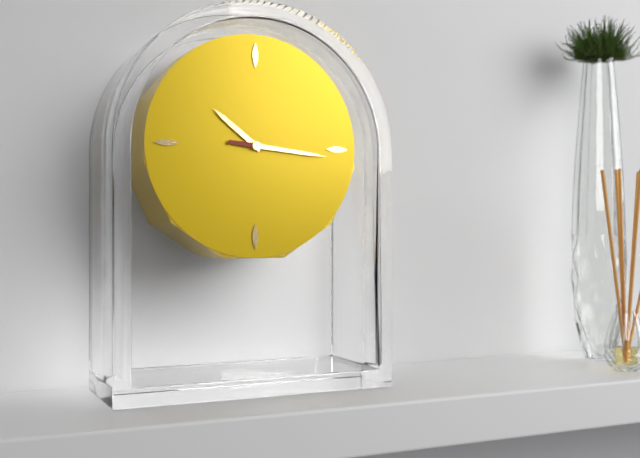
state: 10:16
